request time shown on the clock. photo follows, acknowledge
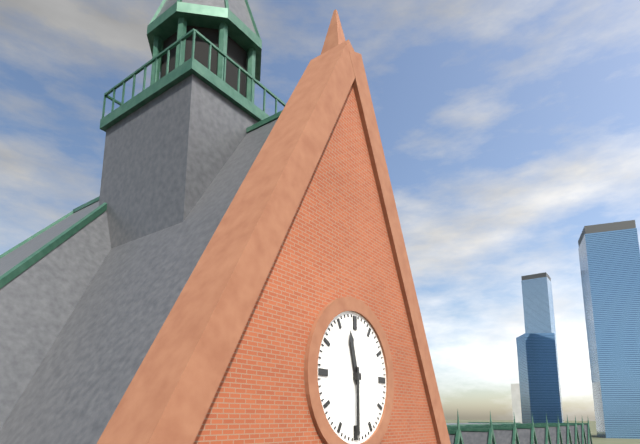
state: 11:30
